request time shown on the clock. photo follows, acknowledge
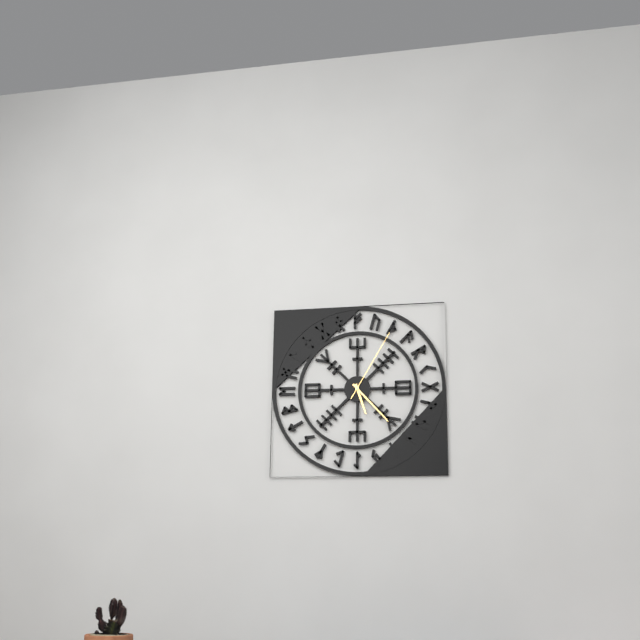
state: 5:23:05
